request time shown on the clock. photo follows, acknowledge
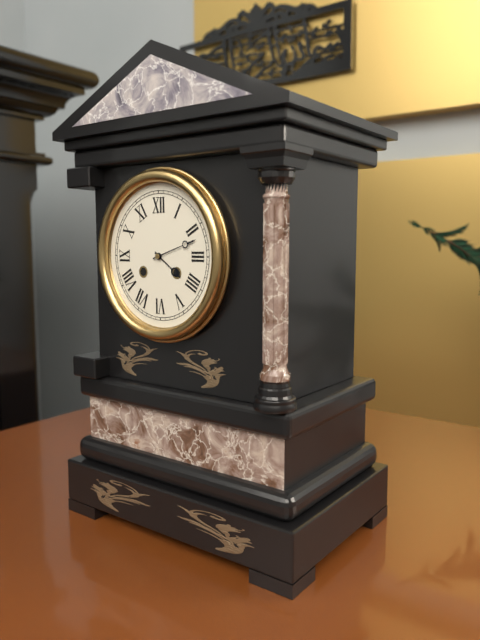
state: 4:12
